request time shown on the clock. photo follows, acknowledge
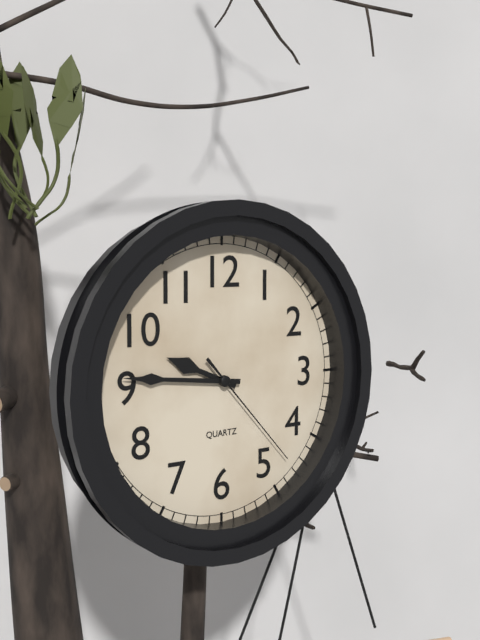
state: 9:46:23
